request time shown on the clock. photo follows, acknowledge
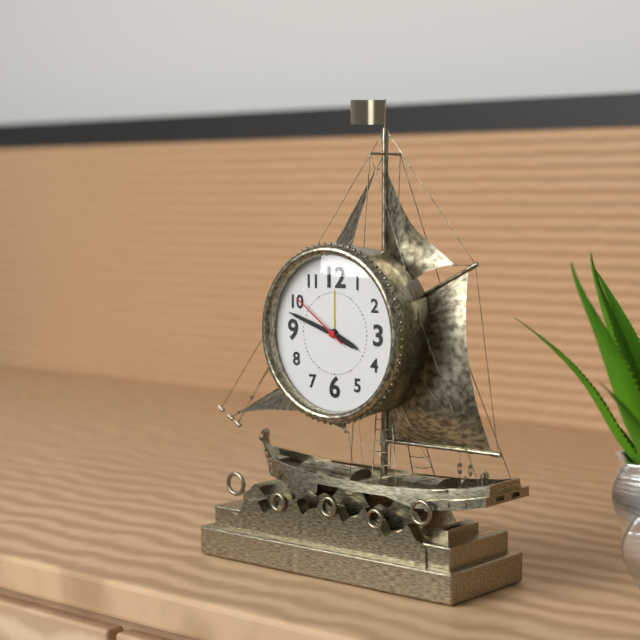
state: 3:48:51
